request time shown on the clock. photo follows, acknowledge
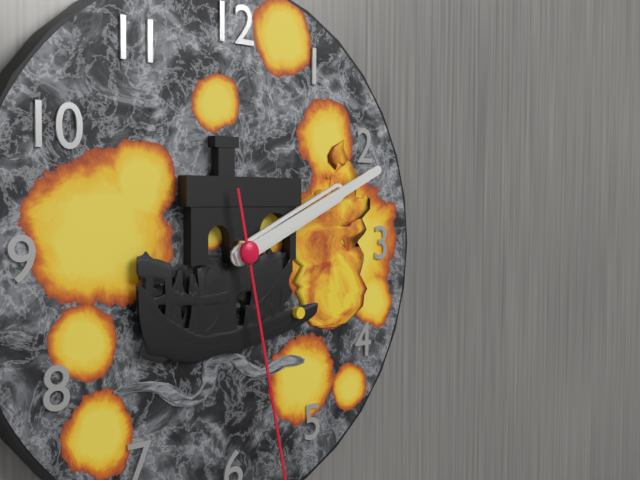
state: 2:11
